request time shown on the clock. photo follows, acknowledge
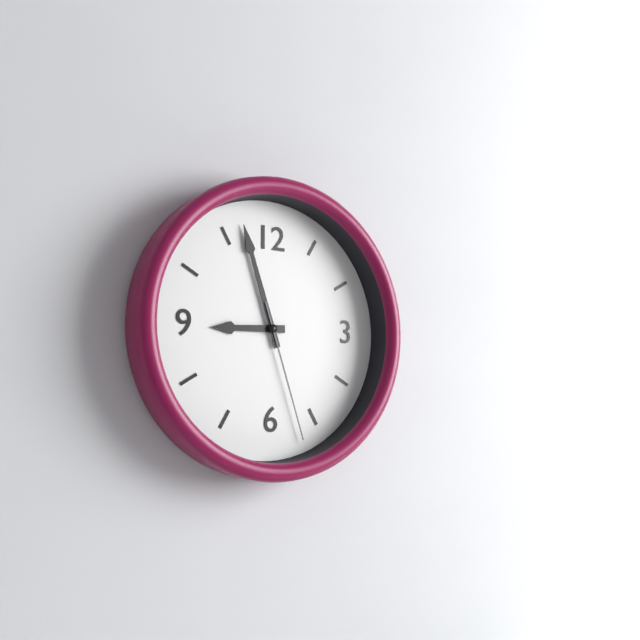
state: 8:57:27
